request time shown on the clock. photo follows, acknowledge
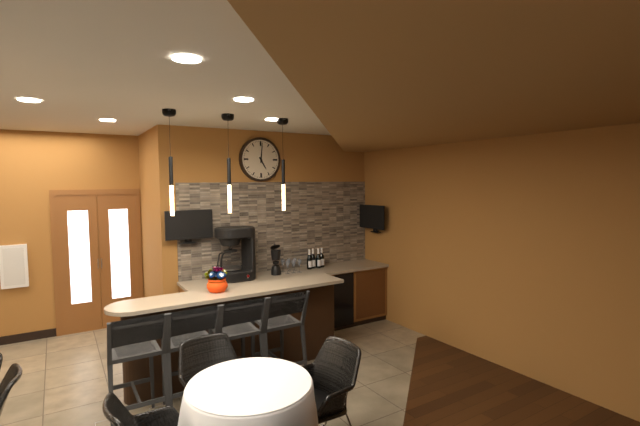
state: 5:01
